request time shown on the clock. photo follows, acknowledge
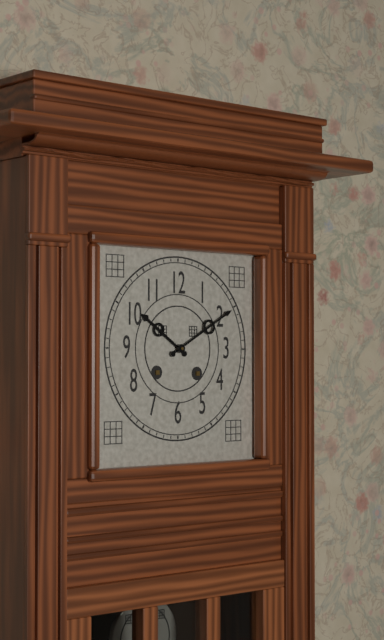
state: 10:10
